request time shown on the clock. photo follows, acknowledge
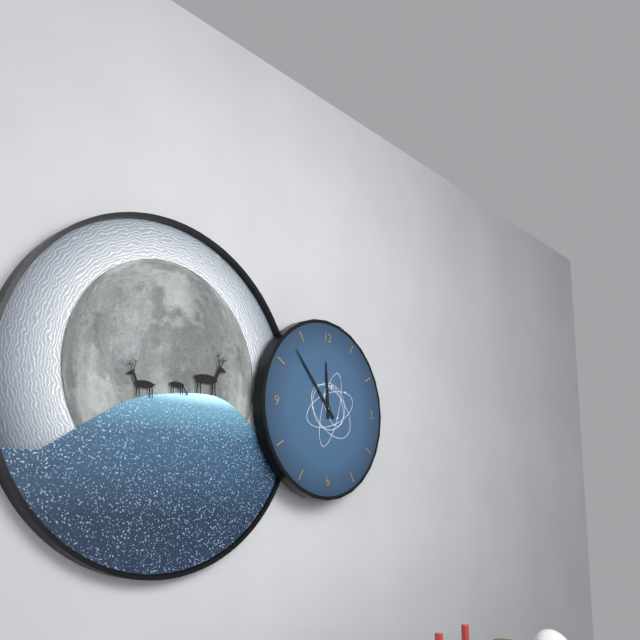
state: 11:53
